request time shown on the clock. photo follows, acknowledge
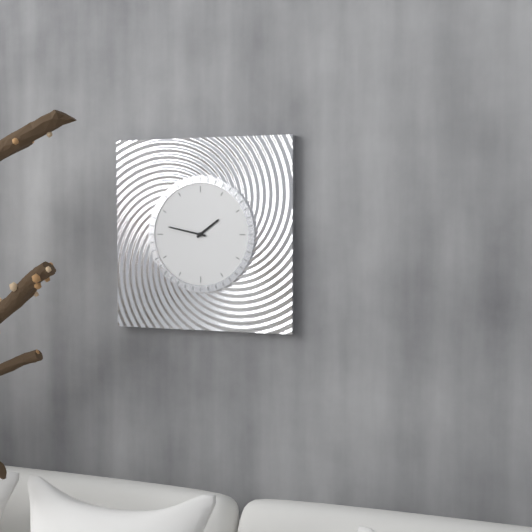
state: 1:47
